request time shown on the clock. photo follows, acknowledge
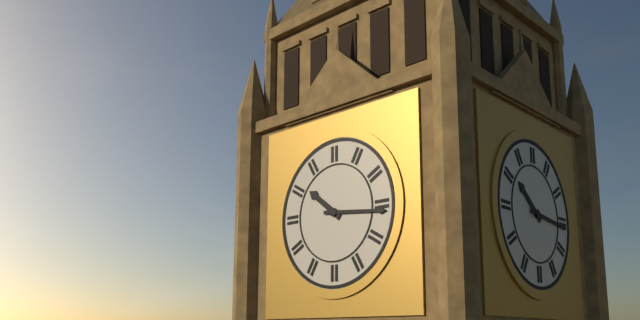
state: 10:16
